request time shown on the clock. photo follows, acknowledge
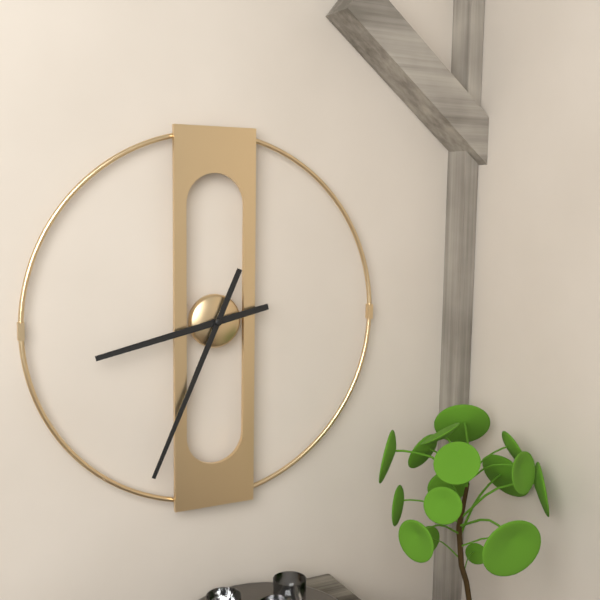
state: 8:34
